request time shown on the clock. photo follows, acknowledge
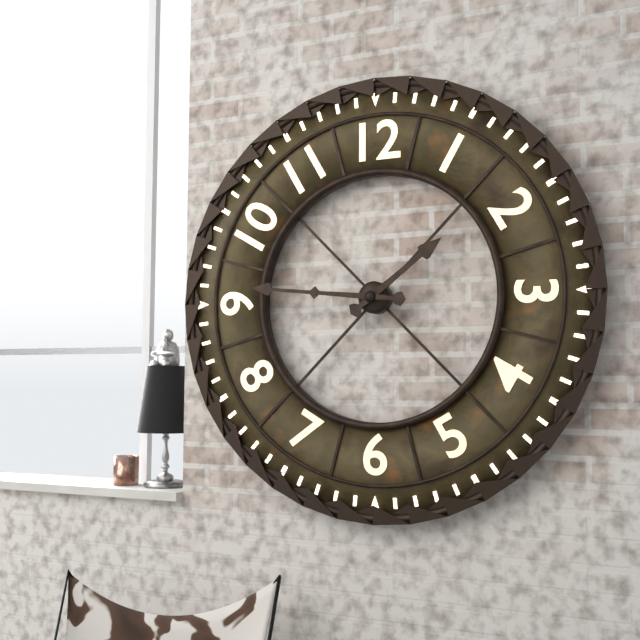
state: 1:46
